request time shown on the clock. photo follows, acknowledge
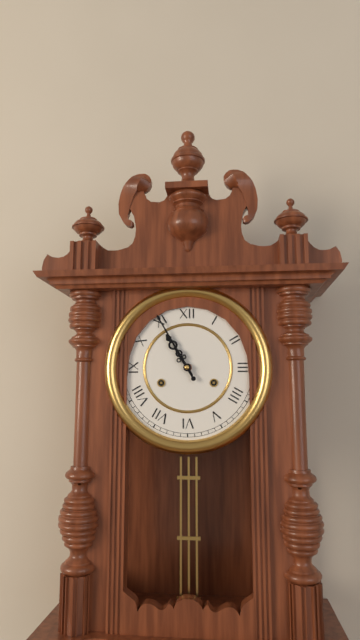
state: 10:55
